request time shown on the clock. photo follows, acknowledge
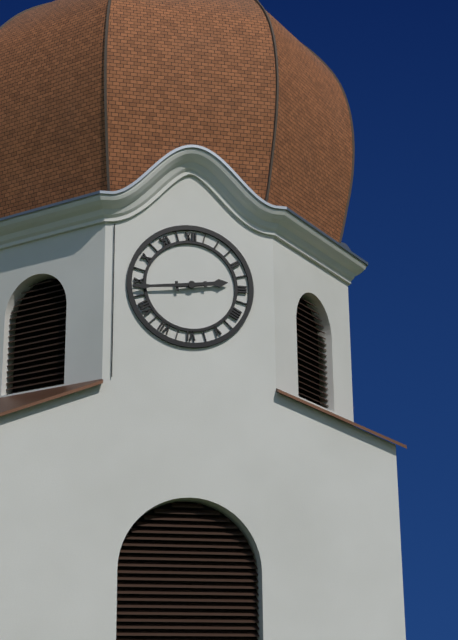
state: 2:44
